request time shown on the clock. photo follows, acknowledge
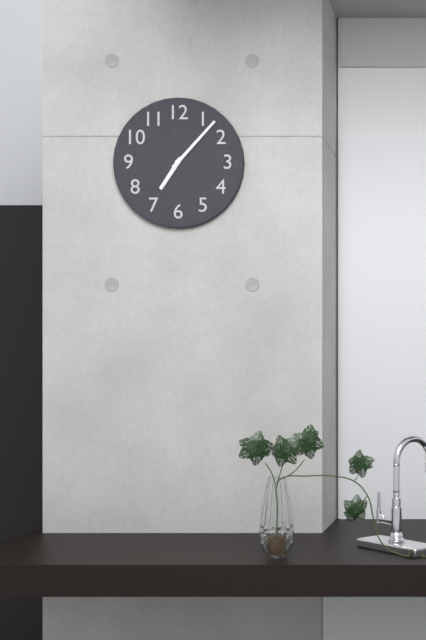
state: 7:07
